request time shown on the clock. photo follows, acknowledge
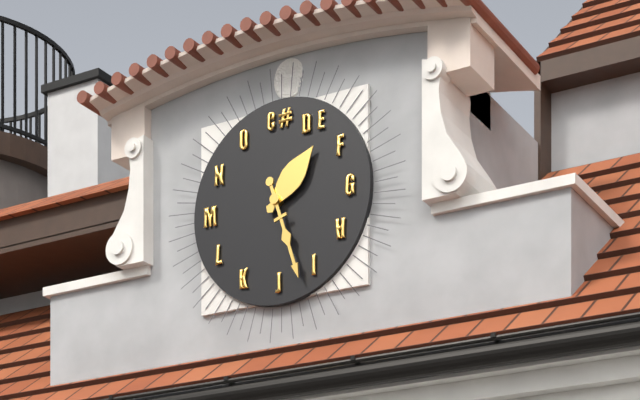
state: 1:27
